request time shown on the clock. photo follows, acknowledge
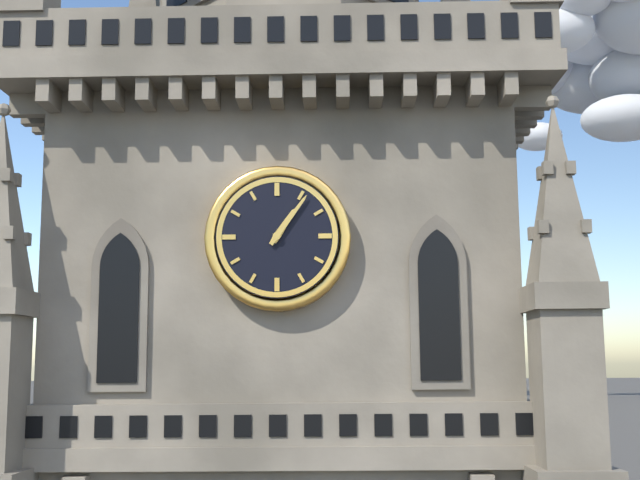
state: 1:06
